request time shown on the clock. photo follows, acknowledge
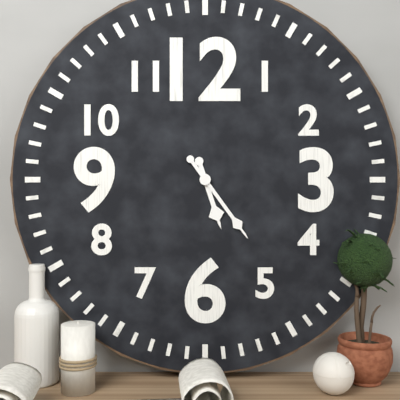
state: 5:24
